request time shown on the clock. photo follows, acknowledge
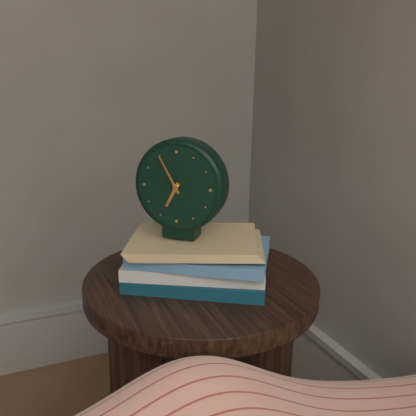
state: 6:55
